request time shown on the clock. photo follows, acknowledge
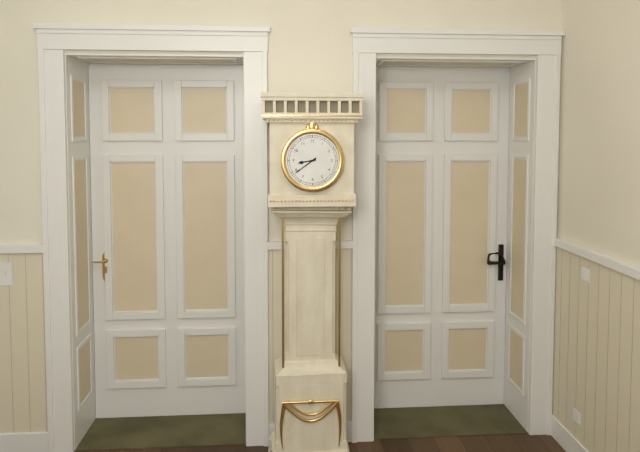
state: 8:39
